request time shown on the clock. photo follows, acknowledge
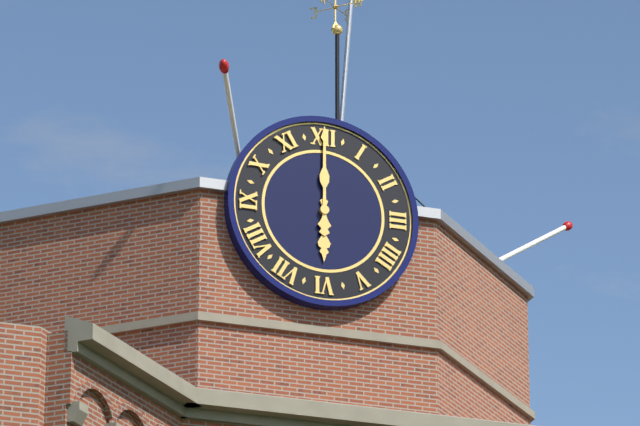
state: 6:00
